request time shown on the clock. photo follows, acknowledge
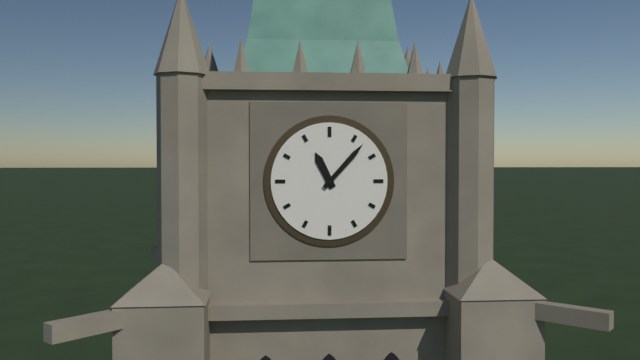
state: 11:07
